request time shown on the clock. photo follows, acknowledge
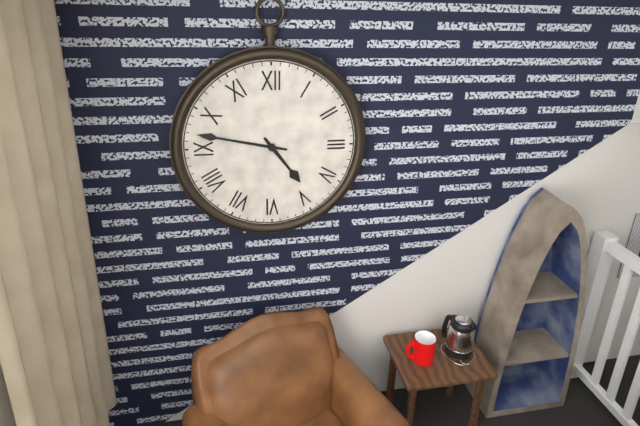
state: 4:47
